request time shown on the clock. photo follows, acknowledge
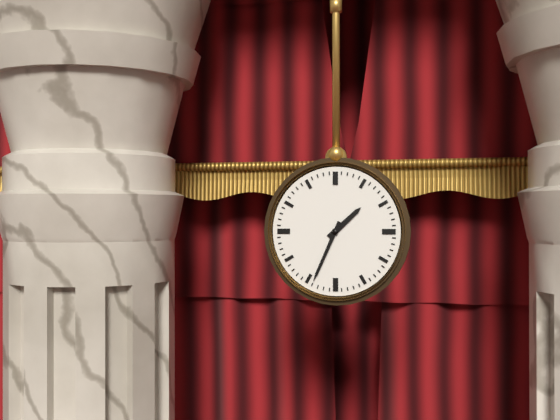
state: 1:34
